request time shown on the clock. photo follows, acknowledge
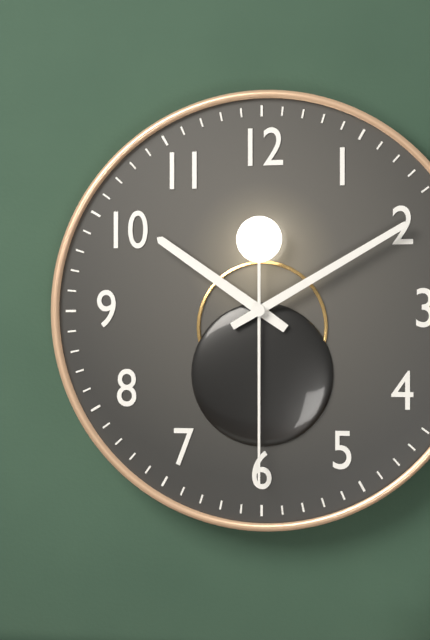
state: 10:10:30
